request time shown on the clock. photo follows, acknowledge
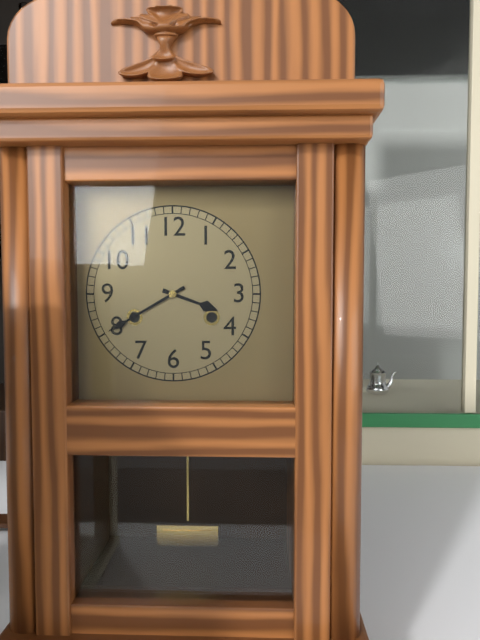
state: 3:40
